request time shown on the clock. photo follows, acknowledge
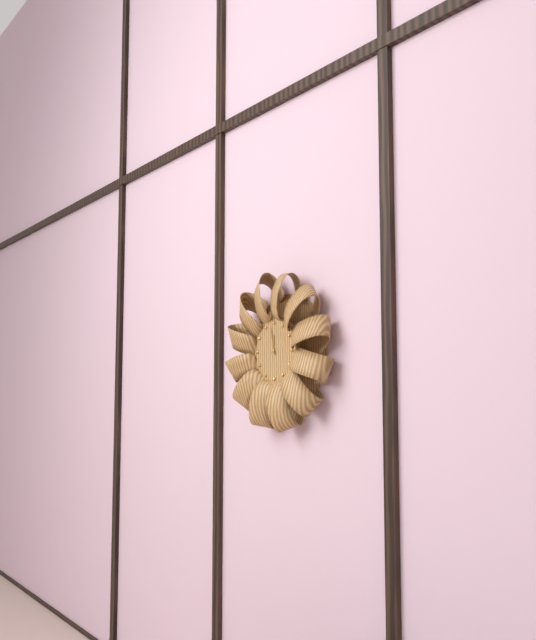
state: 11:58
